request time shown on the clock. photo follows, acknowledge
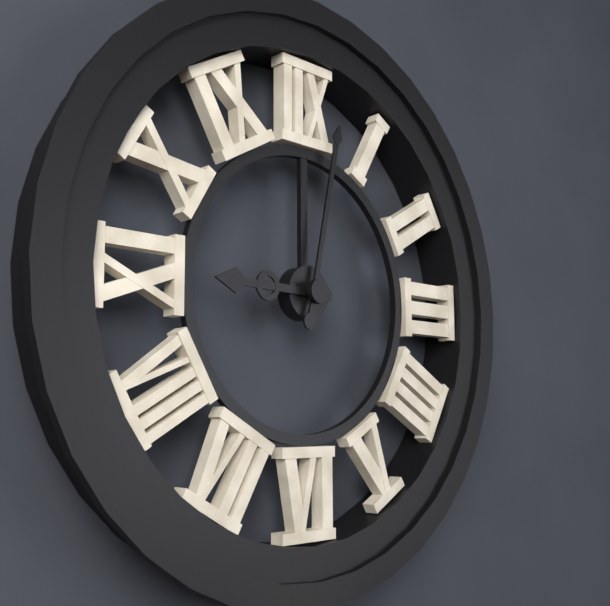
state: 9:02
